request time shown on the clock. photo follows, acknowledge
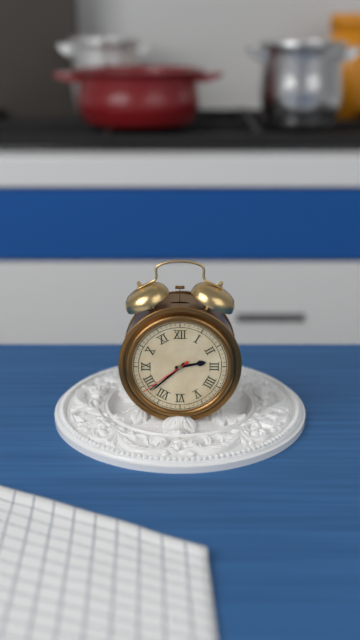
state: 2:38:39
